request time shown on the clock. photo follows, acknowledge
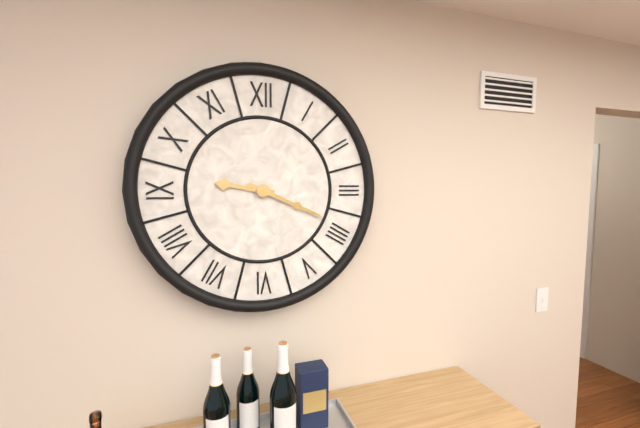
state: 9:19
